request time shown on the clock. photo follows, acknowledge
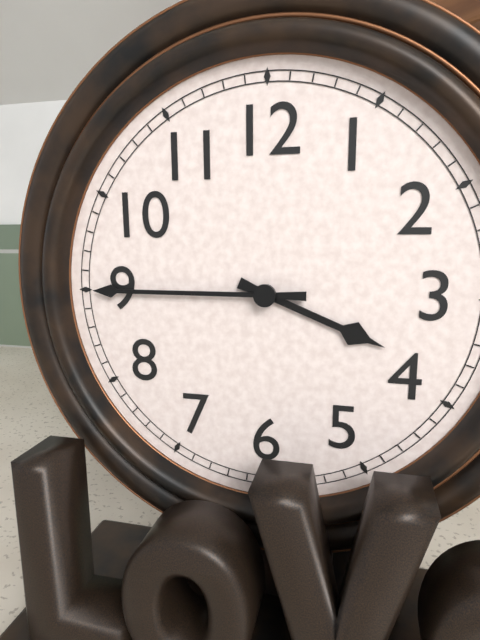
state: 3:45
